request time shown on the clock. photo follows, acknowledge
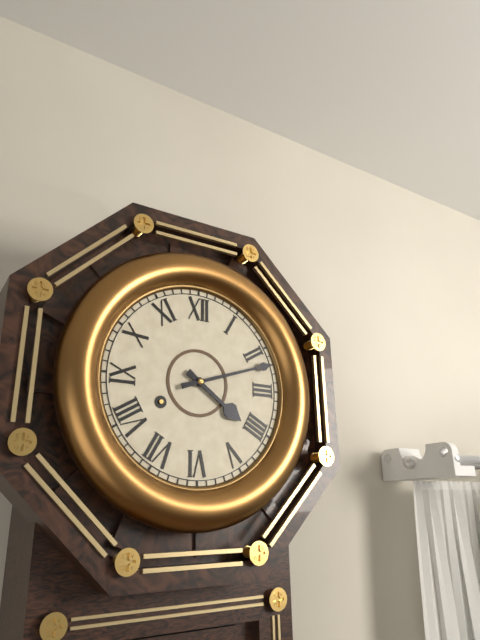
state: 4:12
